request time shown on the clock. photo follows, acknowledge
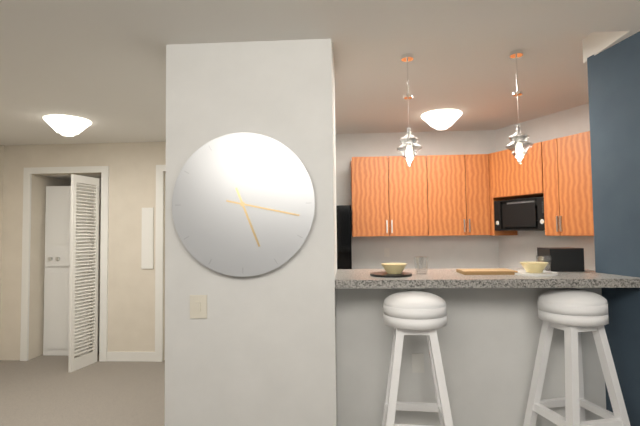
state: 5:17
